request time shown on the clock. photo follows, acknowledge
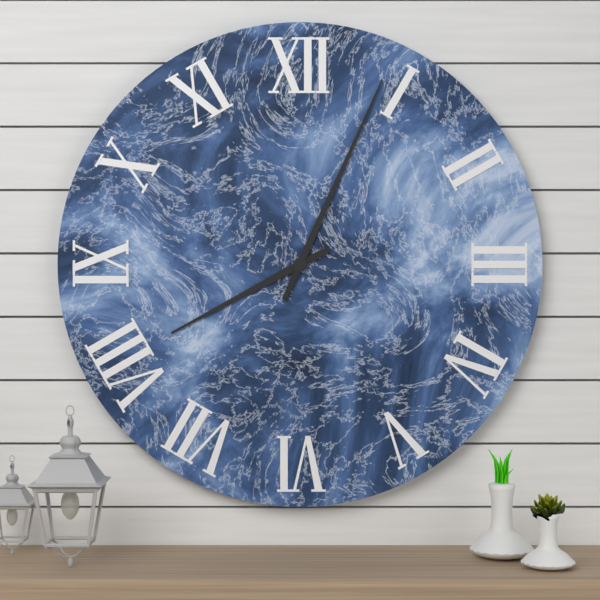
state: 8:04
